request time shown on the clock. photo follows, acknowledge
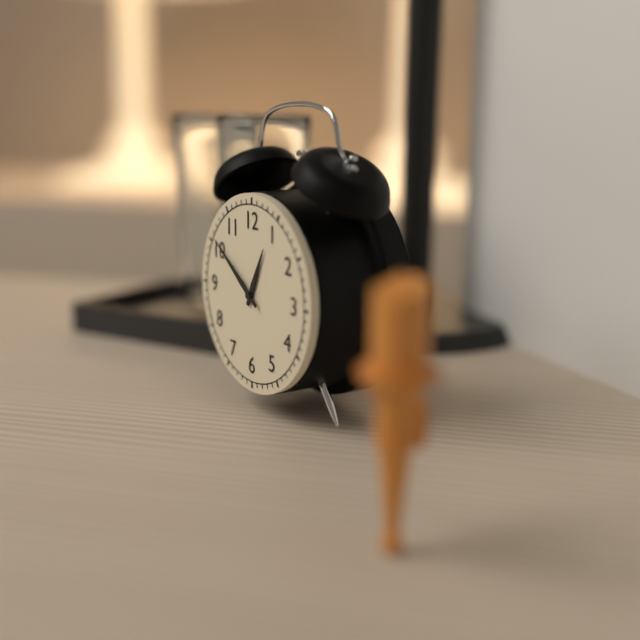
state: 12:51
